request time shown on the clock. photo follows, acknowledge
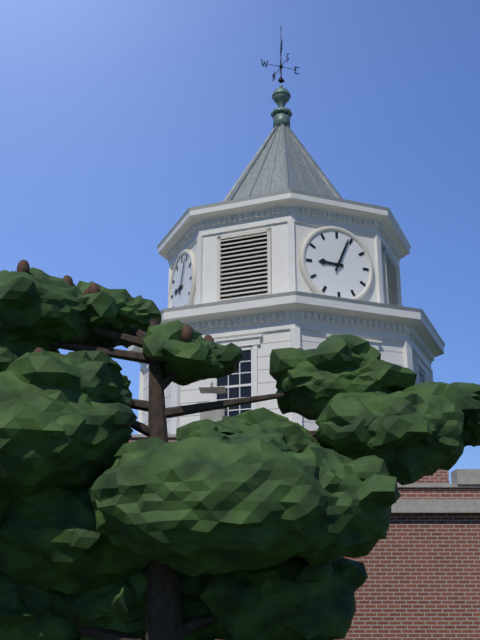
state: 9:04
